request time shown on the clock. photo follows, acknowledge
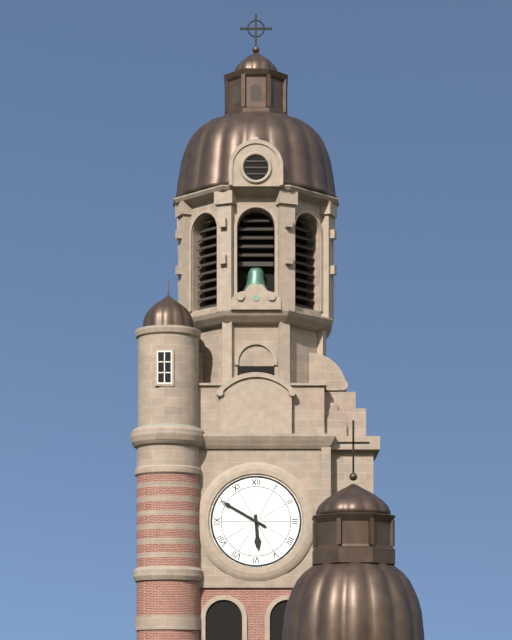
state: 5:50
